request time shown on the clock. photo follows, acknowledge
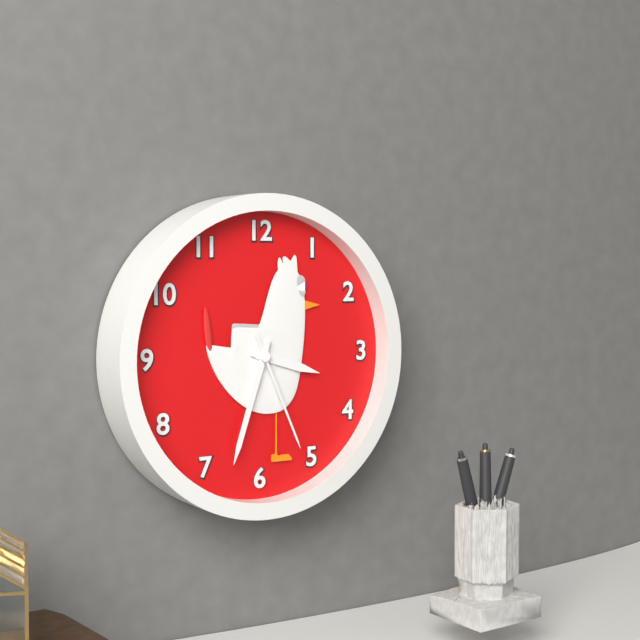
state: 3:33:26
